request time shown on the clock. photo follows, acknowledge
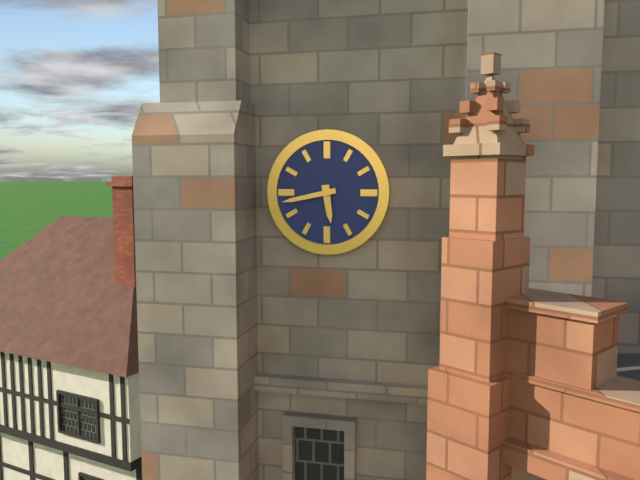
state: 5:43
